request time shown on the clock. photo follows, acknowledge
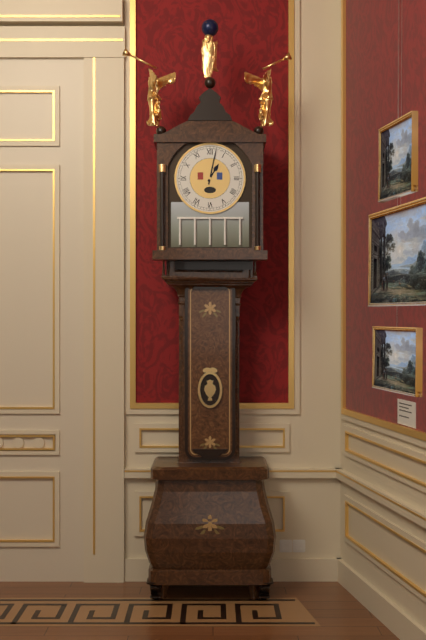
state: 1:02
